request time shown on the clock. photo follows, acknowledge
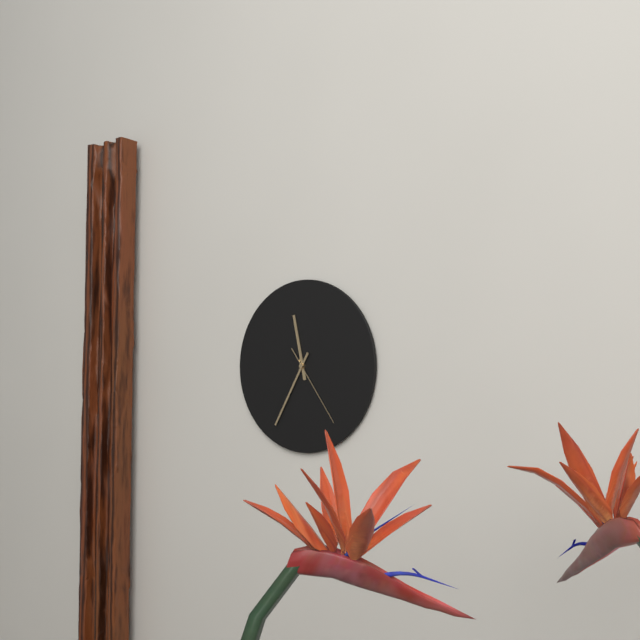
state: 11:35:24
